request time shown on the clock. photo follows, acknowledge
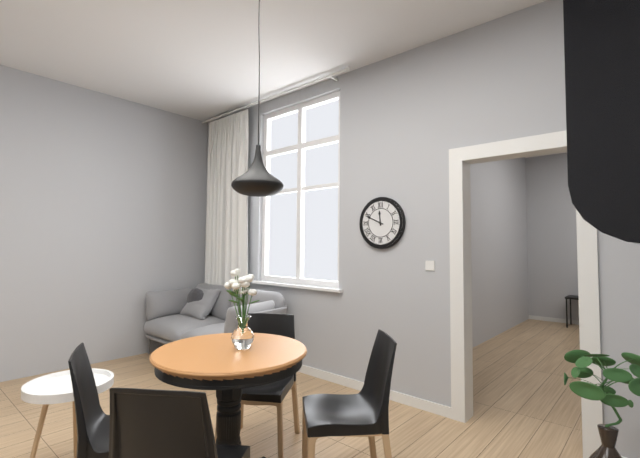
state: 11:49
